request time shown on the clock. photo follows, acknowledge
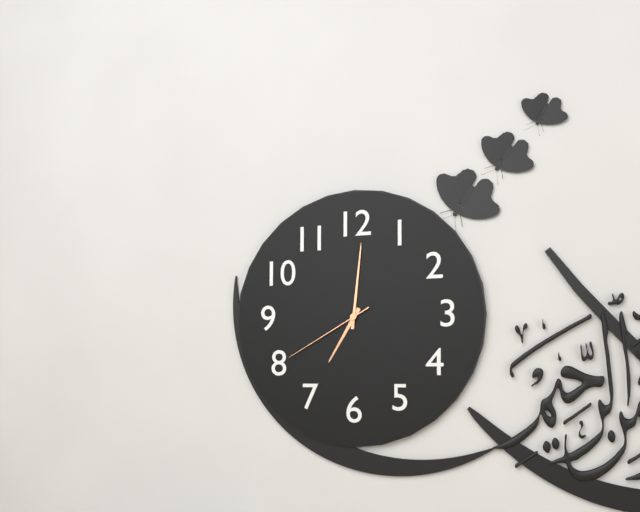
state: 7:01:40
